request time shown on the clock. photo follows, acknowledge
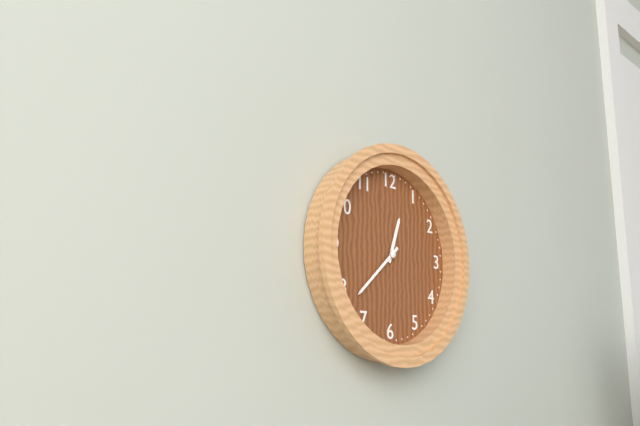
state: 12:38
